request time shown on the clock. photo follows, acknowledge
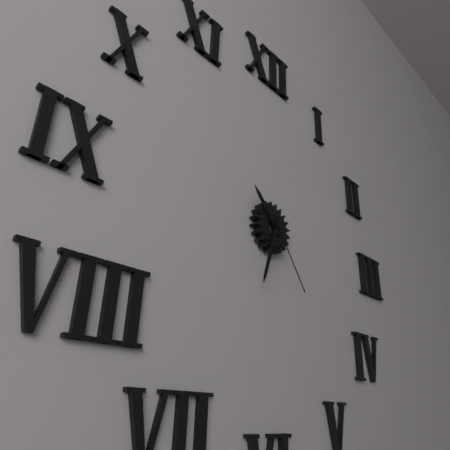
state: 10:33:24
